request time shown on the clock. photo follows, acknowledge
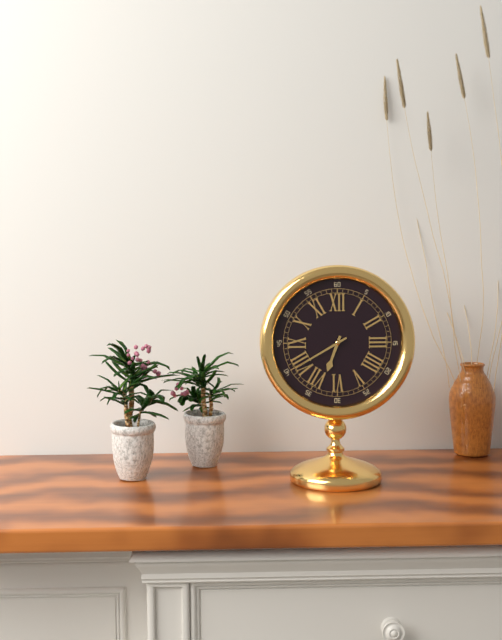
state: 6:40
